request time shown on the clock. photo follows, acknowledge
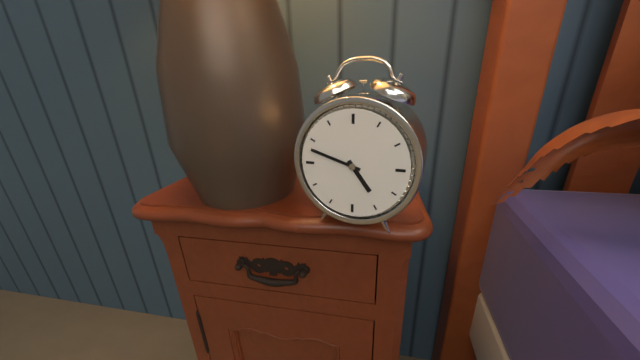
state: 4:48
